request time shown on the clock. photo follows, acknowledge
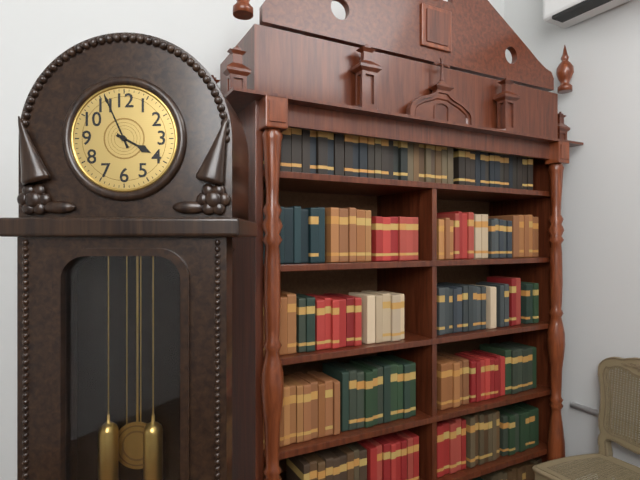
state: 3:56
